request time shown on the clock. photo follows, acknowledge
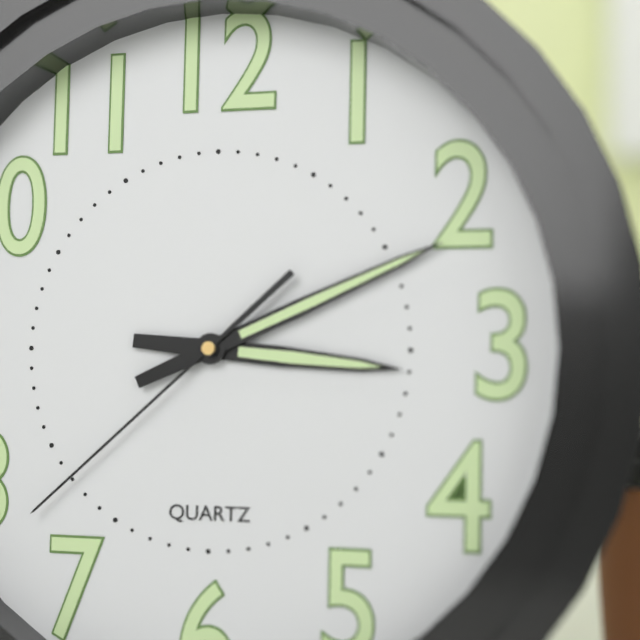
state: 3:11:38
